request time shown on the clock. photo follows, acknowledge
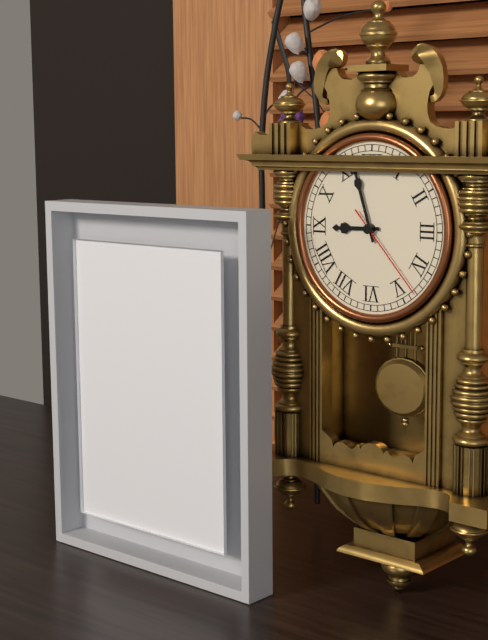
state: 8:57:23
